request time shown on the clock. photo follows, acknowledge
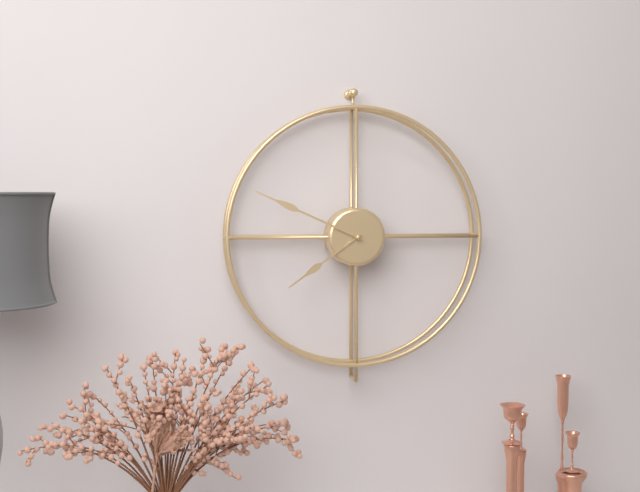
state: 7:49
